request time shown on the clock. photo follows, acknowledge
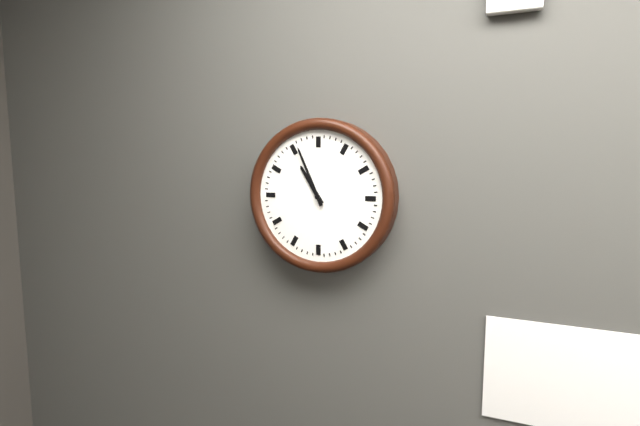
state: 10:56
